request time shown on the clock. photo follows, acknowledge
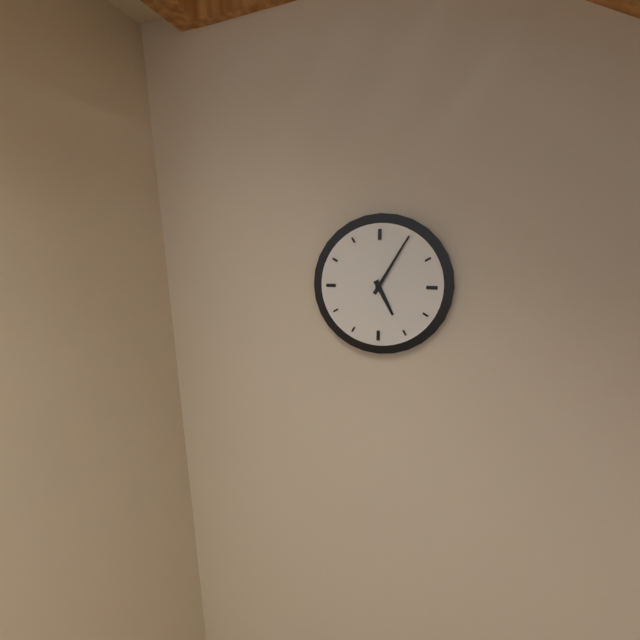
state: 5:05
